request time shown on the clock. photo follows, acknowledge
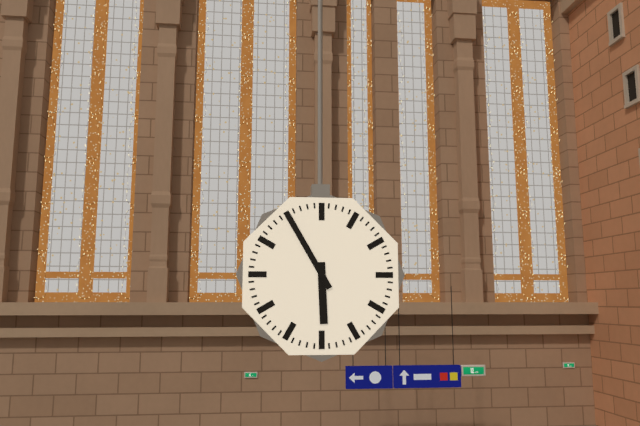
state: 5:55
